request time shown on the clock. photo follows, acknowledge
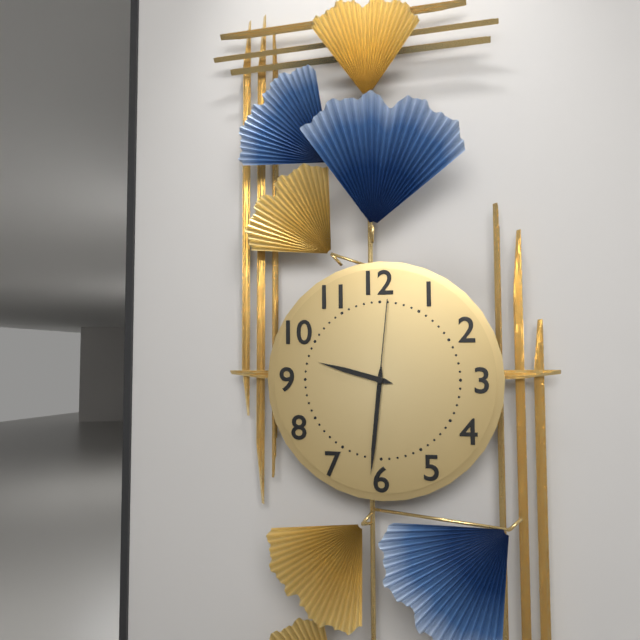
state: 9:31:01
